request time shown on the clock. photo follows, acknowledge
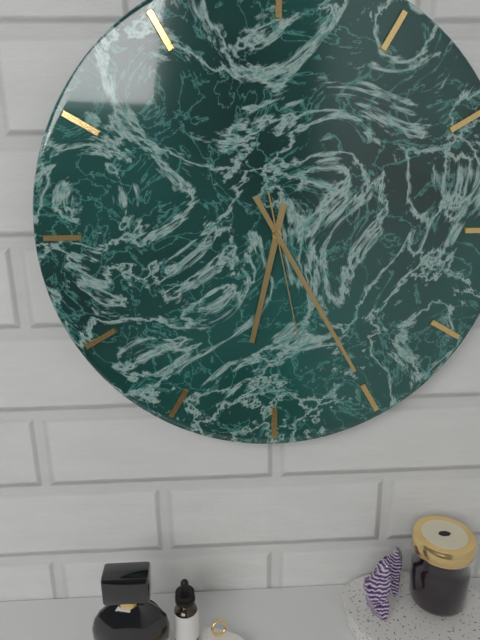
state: 6:25:28
